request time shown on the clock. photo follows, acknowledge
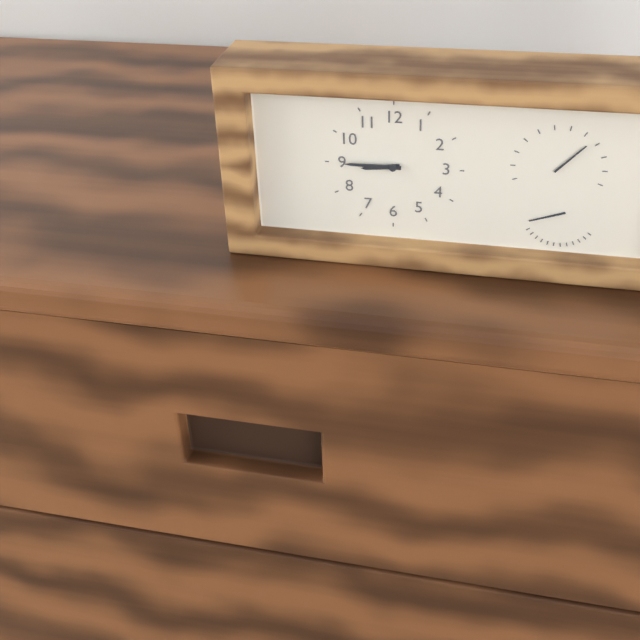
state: 8:45
